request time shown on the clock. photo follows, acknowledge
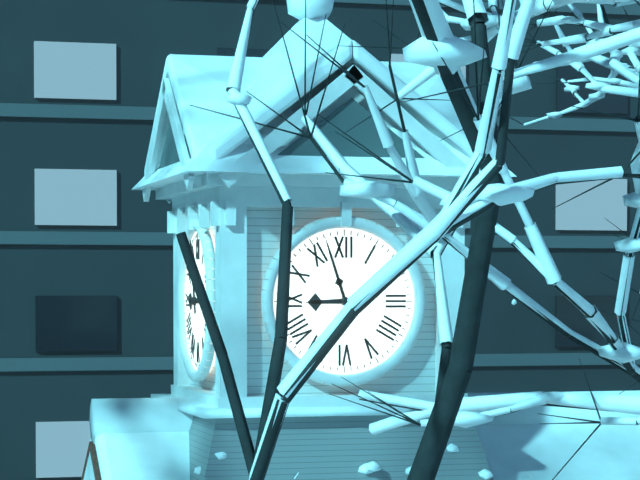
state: 8:57
